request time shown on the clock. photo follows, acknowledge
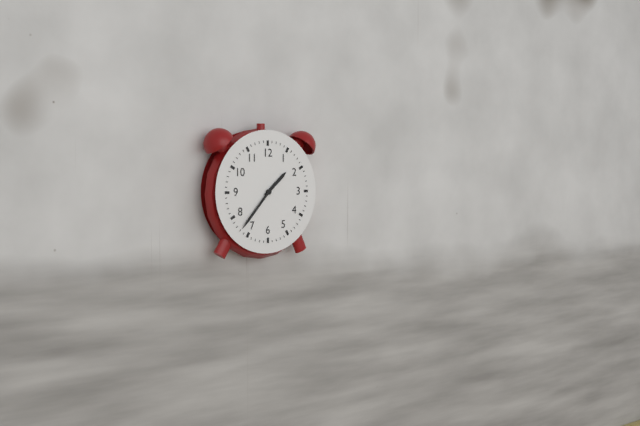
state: 1:37
